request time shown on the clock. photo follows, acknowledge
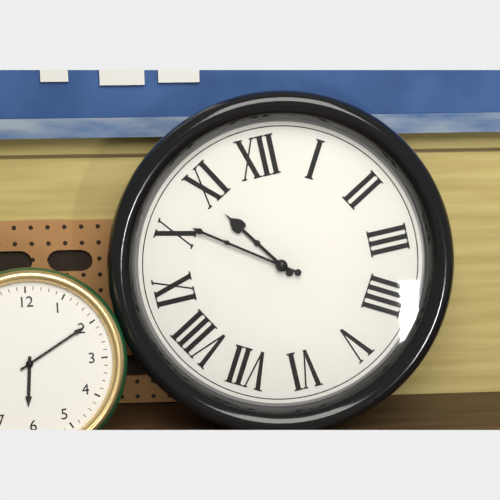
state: 10:51
